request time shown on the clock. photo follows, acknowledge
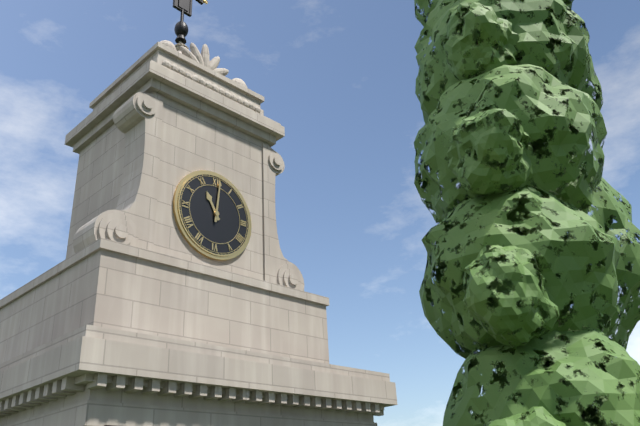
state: 11:01
